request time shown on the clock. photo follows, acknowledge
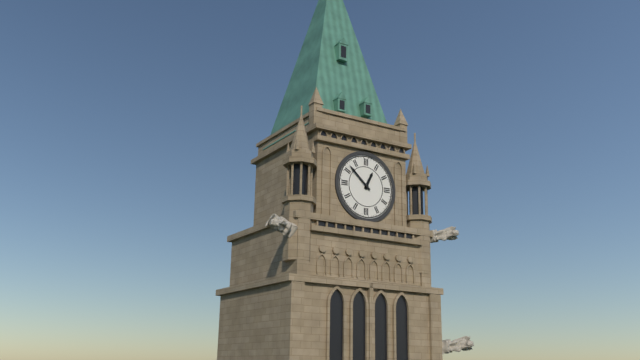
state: 12:52
